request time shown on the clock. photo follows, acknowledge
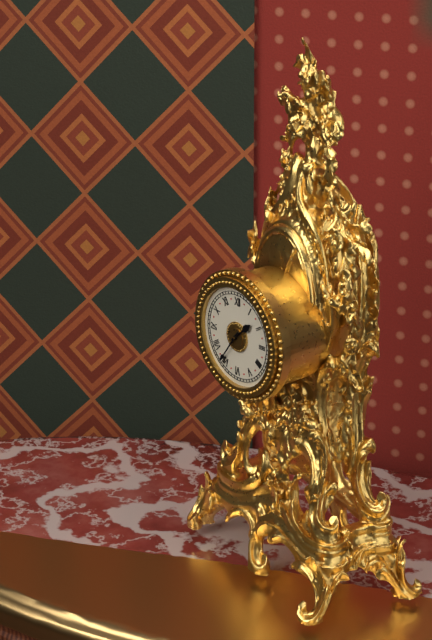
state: 1:36
